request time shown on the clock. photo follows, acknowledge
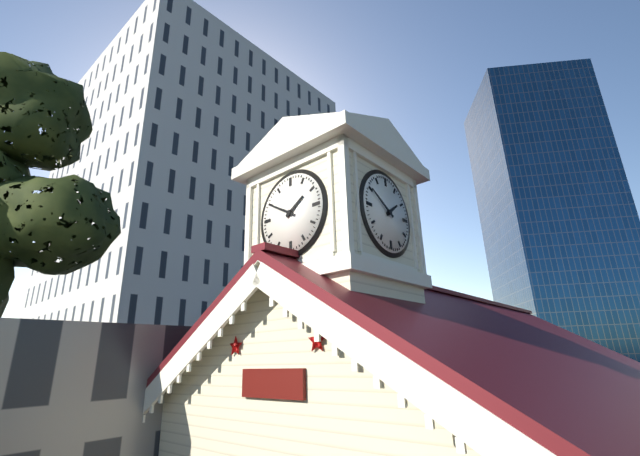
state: 1:50
